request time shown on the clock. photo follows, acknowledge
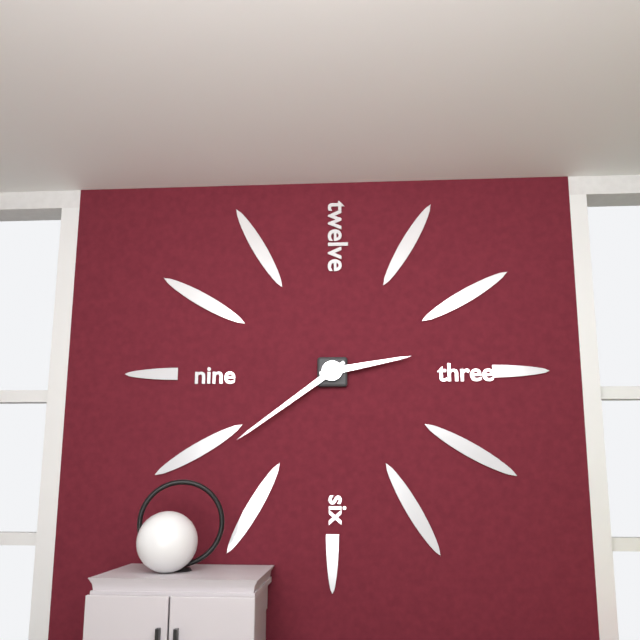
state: 2:39
